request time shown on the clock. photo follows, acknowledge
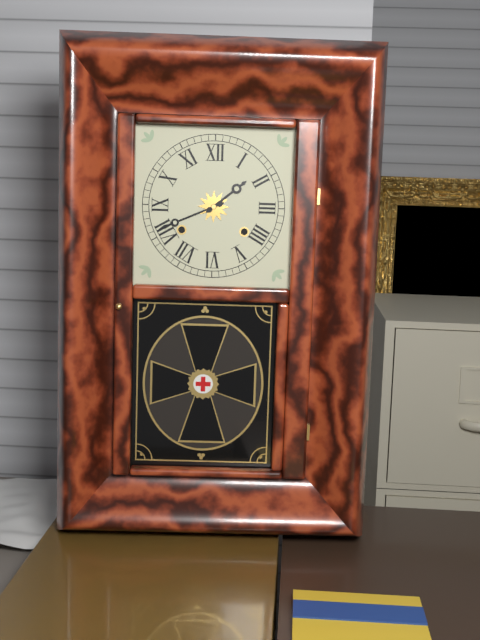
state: 1:41
